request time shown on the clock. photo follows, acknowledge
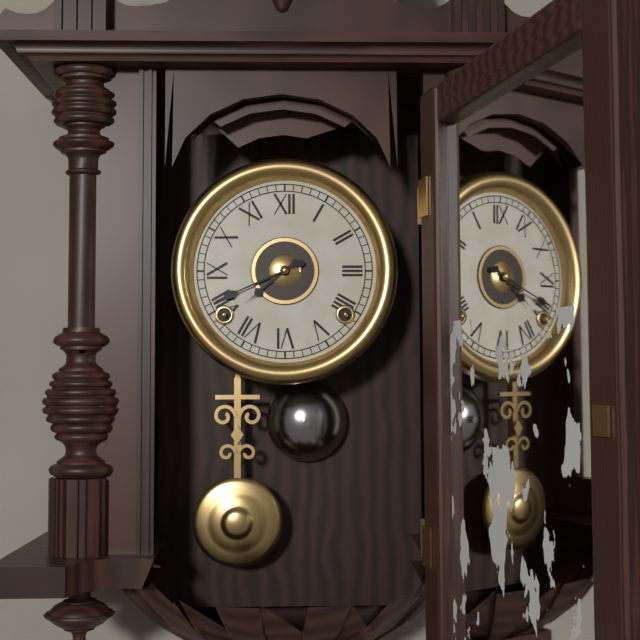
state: 7:41
